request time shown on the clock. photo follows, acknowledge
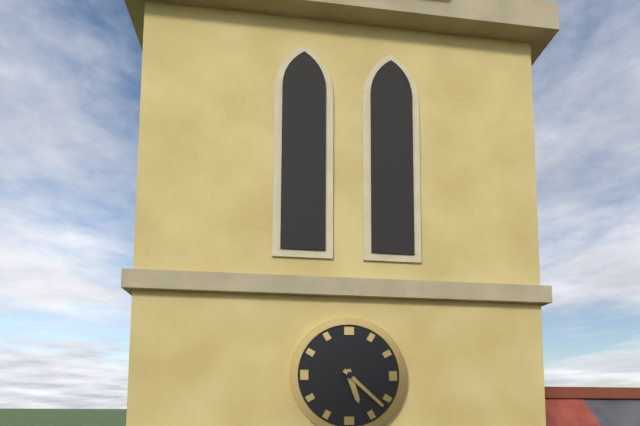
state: 5:22
